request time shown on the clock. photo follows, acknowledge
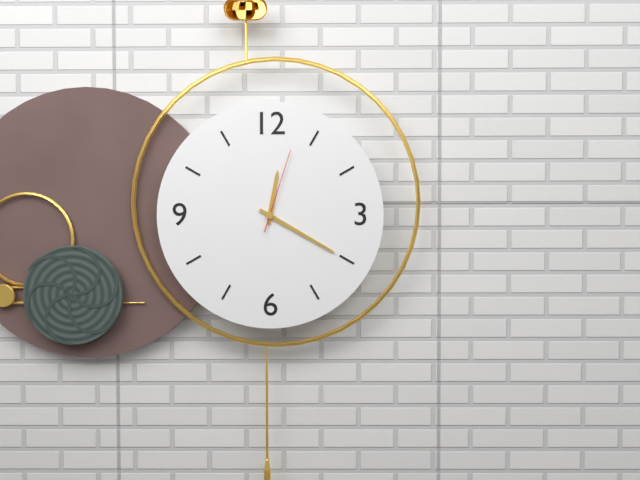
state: 12:20:03
